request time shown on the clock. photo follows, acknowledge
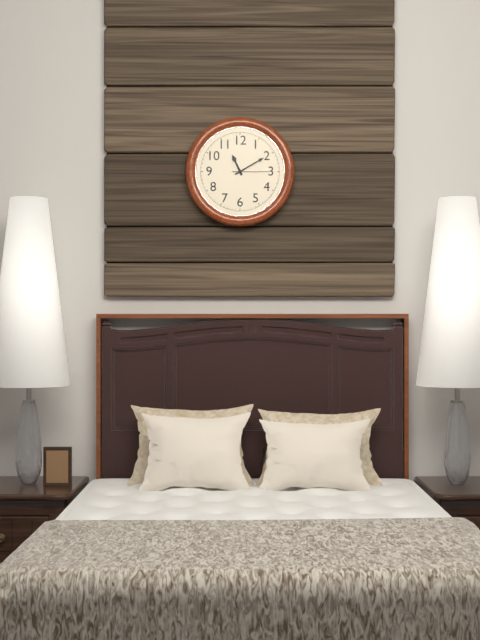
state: 11:10
